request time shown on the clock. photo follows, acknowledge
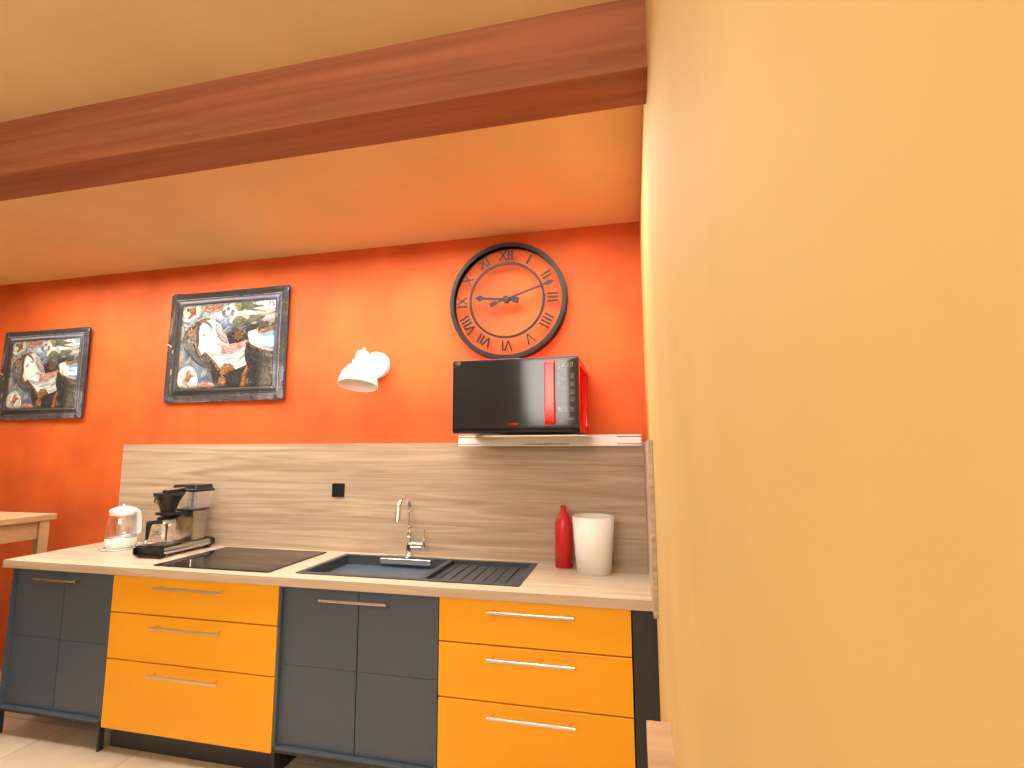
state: 9:12
